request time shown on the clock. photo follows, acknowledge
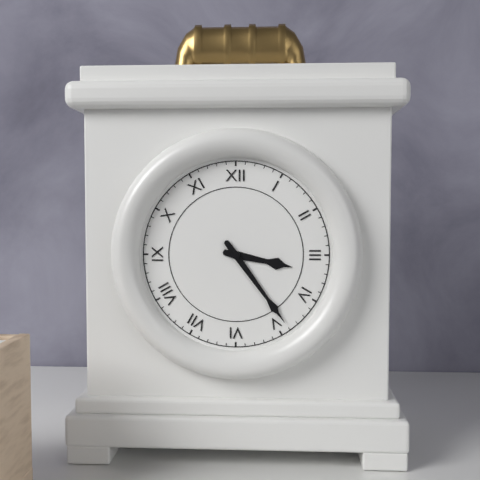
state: 3:24
